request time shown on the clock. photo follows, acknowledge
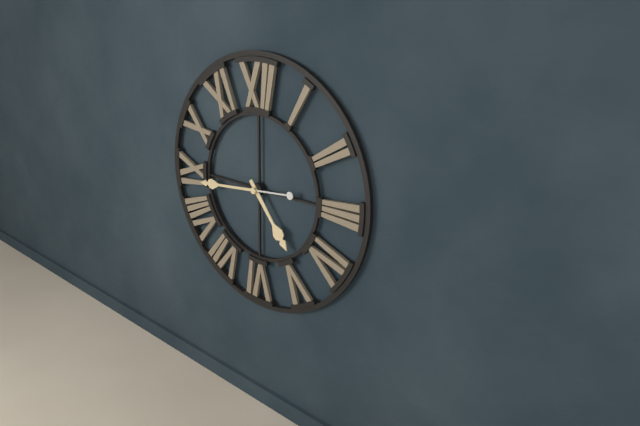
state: 4:44
